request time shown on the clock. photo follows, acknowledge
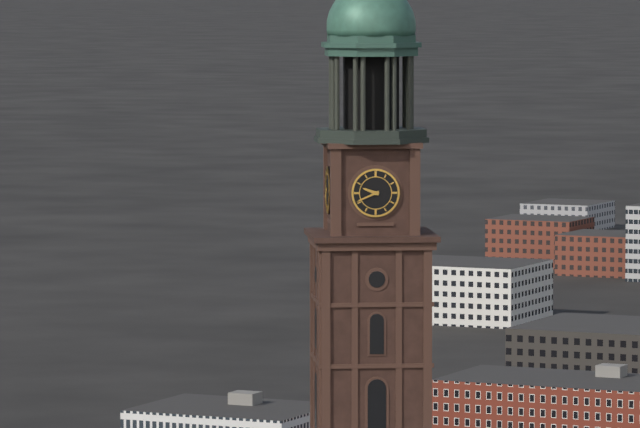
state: 9:41
